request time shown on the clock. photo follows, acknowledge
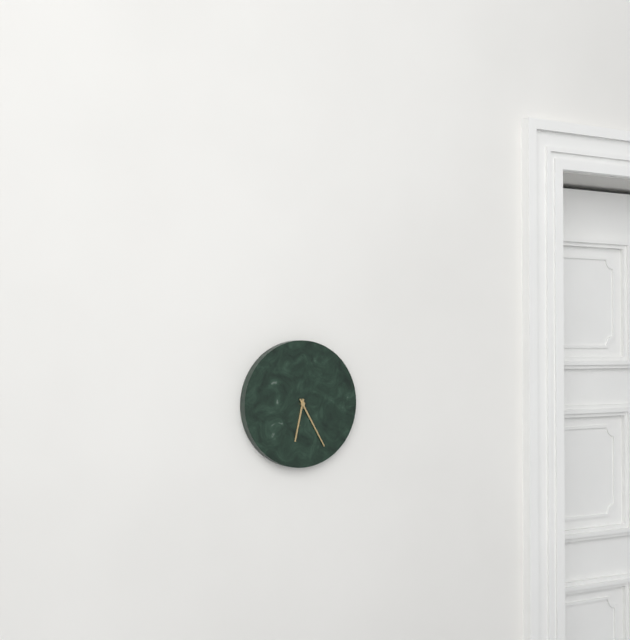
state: 6:25
